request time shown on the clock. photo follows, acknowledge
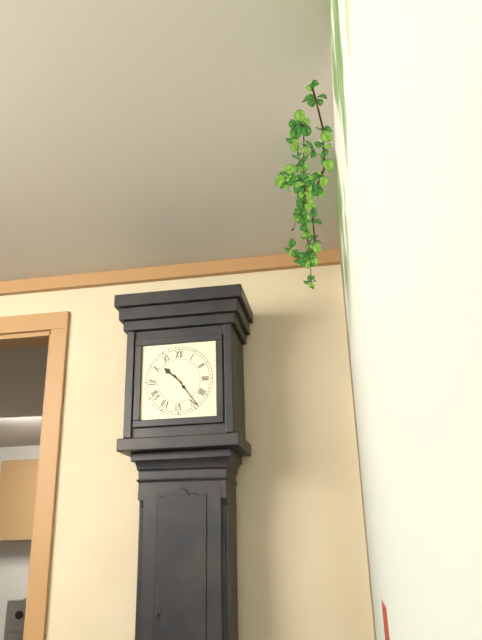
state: 10:24
